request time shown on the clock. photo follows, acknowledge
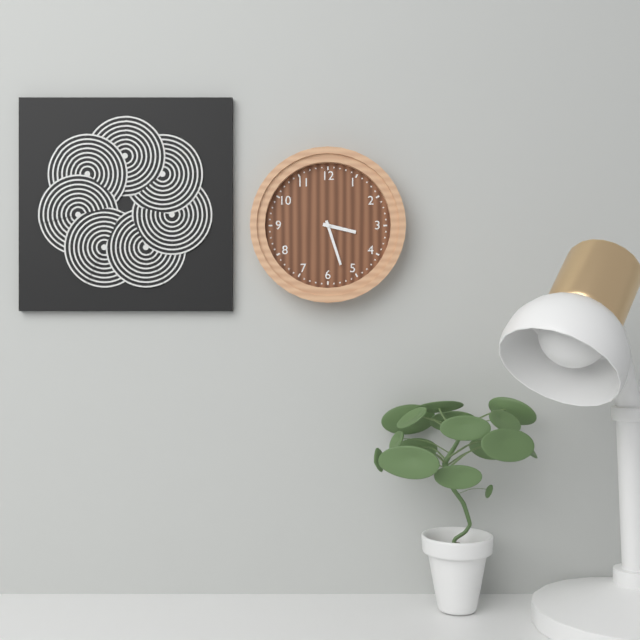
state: 3:27
